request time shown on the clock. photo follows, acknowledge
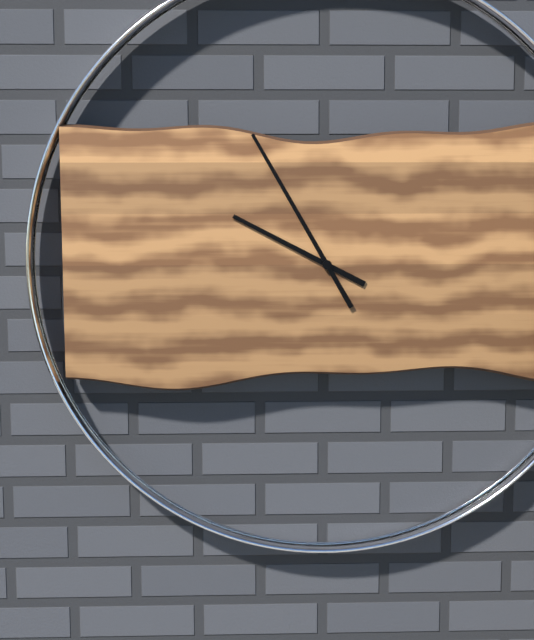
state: 9:55
